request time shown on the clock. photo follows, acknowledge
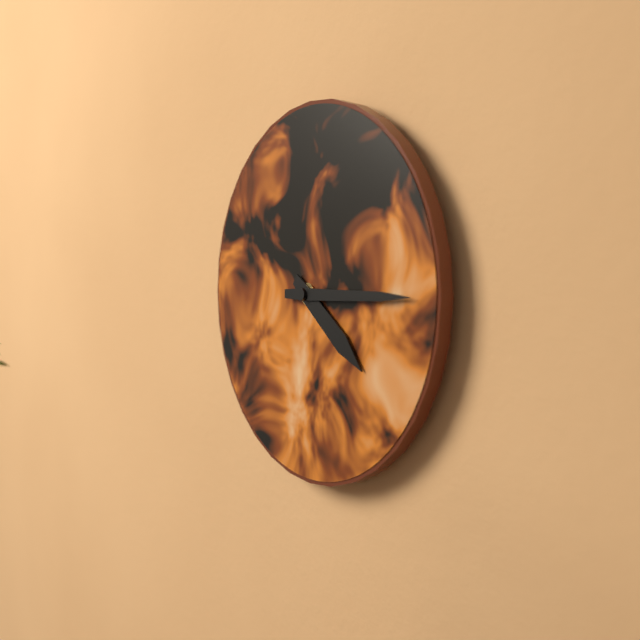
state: 4:15
